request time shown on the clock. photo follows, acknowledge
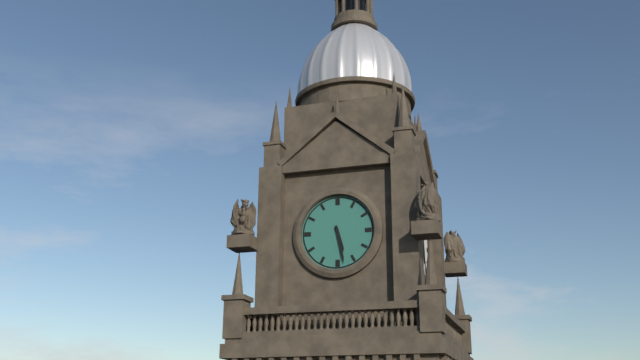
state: 5:28
